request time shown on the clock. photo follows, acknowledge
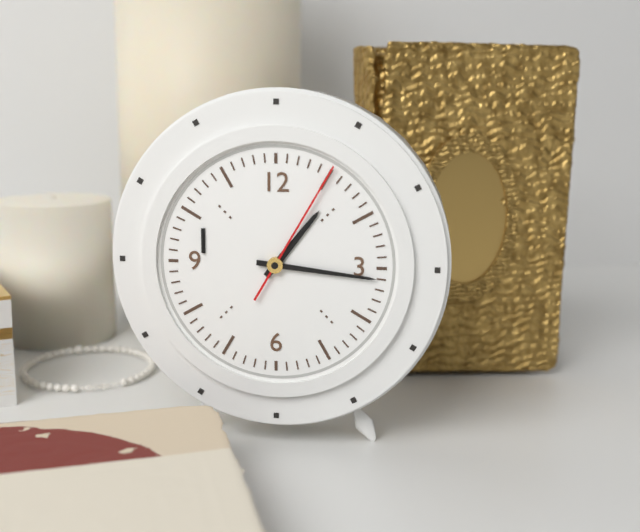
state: 1:16:05
